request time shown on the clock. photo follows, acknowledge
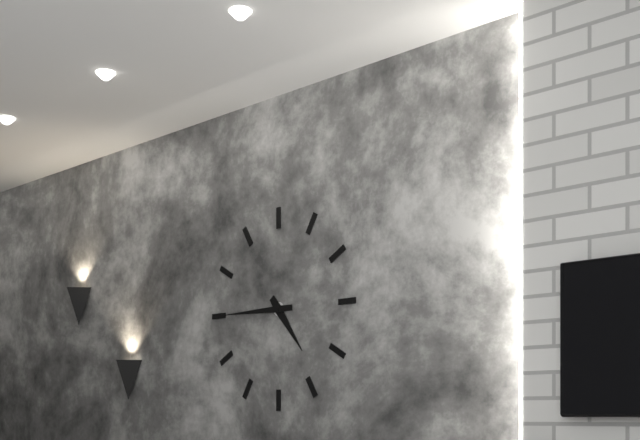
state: 4:45
